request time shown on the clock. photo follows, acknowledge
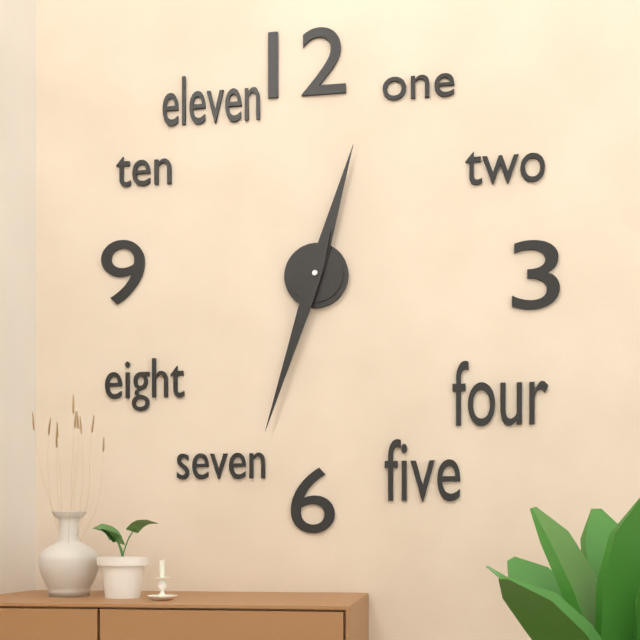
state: 12:33
